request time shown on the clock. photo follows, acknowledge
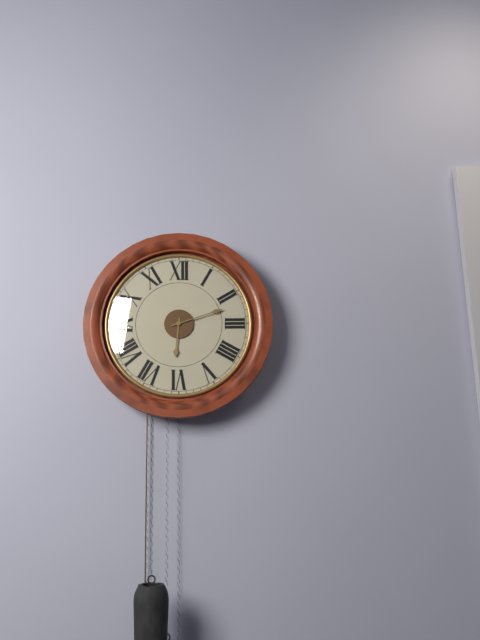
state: 6:12
